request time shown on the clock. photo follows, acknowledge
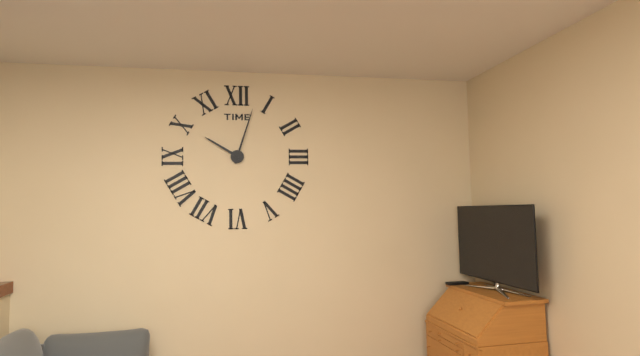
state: 10:03
